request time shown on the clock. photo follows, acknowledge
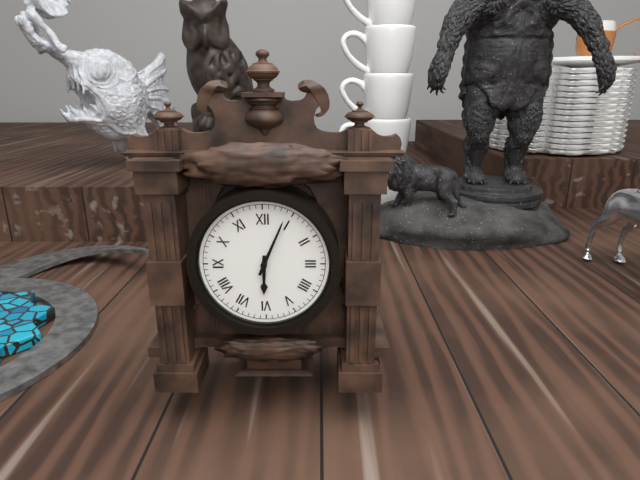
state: 6:04
